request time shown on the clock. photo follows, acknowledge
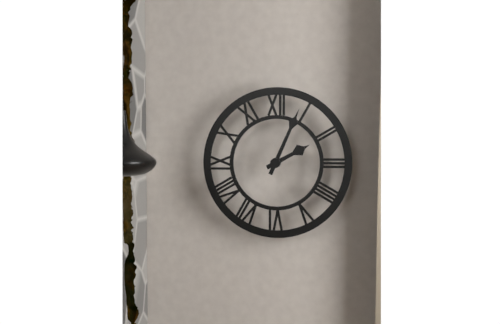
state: 2:04
